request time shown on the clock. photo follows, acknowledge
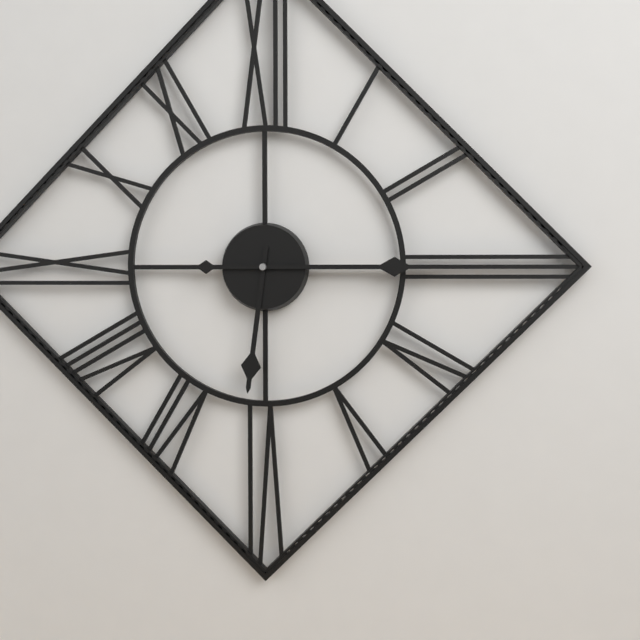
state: 6:15
